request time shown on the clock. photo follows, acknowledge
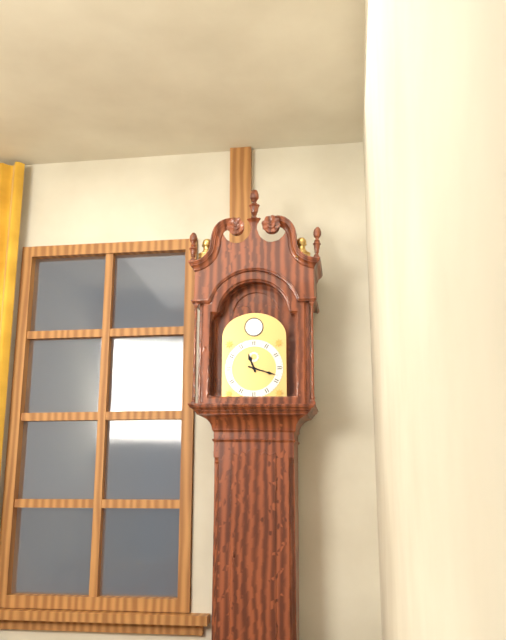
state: 11:18
